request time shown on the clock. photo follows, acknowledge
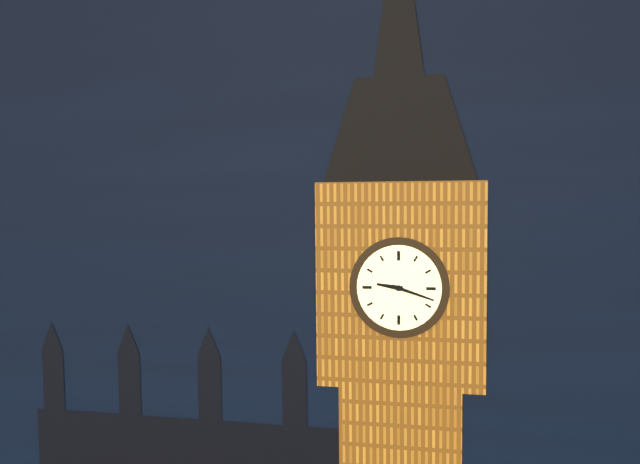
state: 9:18
